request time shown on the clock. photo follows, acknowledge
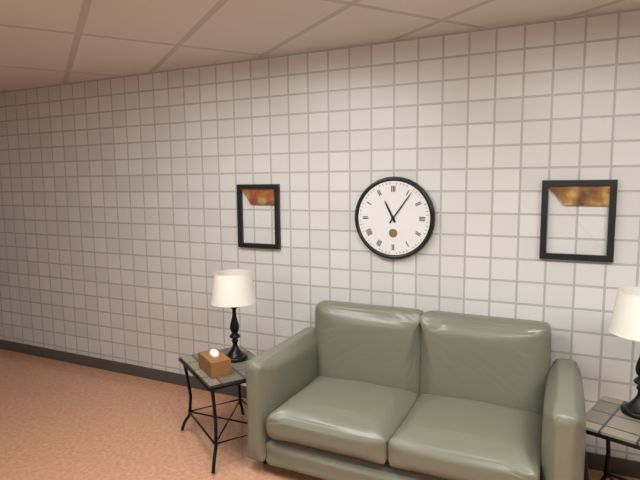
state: 11:06
